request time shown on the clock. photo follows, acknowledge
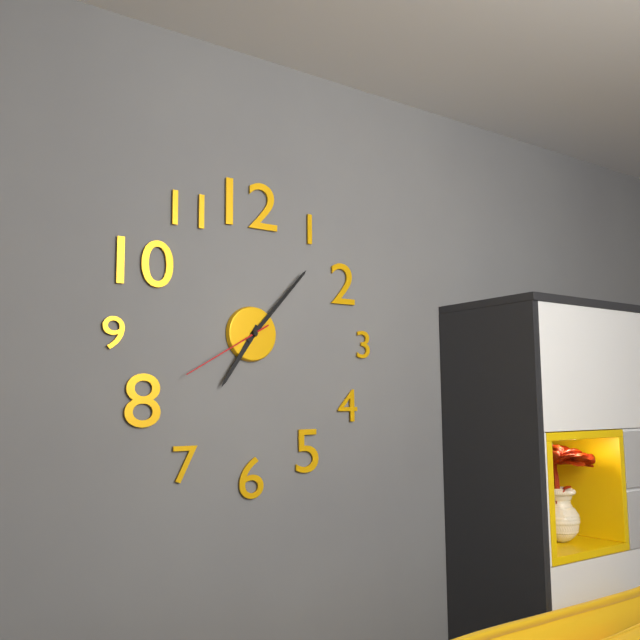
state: 7:07:40
